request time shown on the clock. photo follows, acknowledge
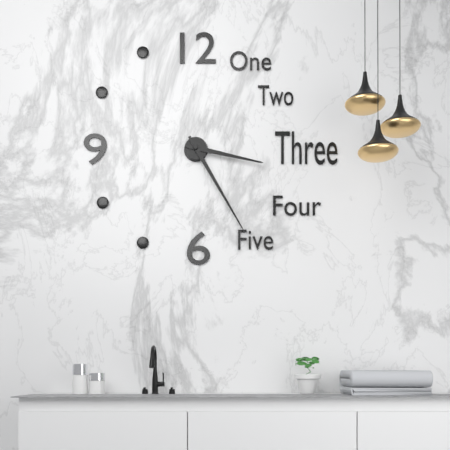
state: 3:25
